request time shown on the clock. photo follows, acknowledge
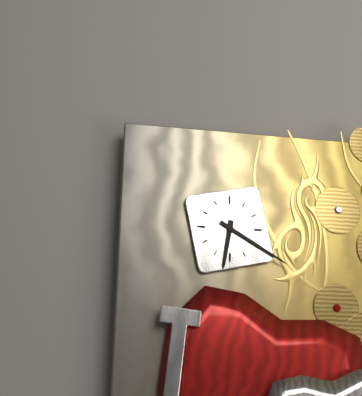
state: 6:20
